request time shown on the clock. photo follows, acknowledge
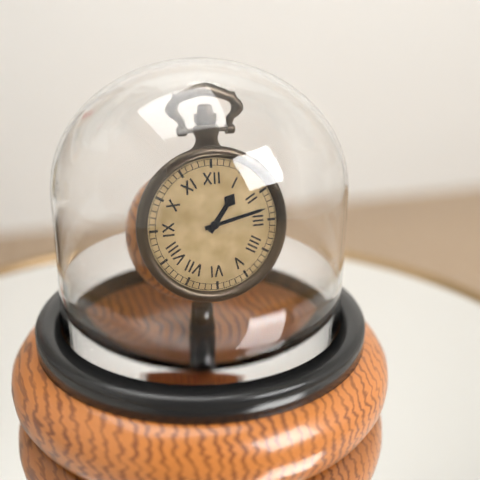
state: 1:13
